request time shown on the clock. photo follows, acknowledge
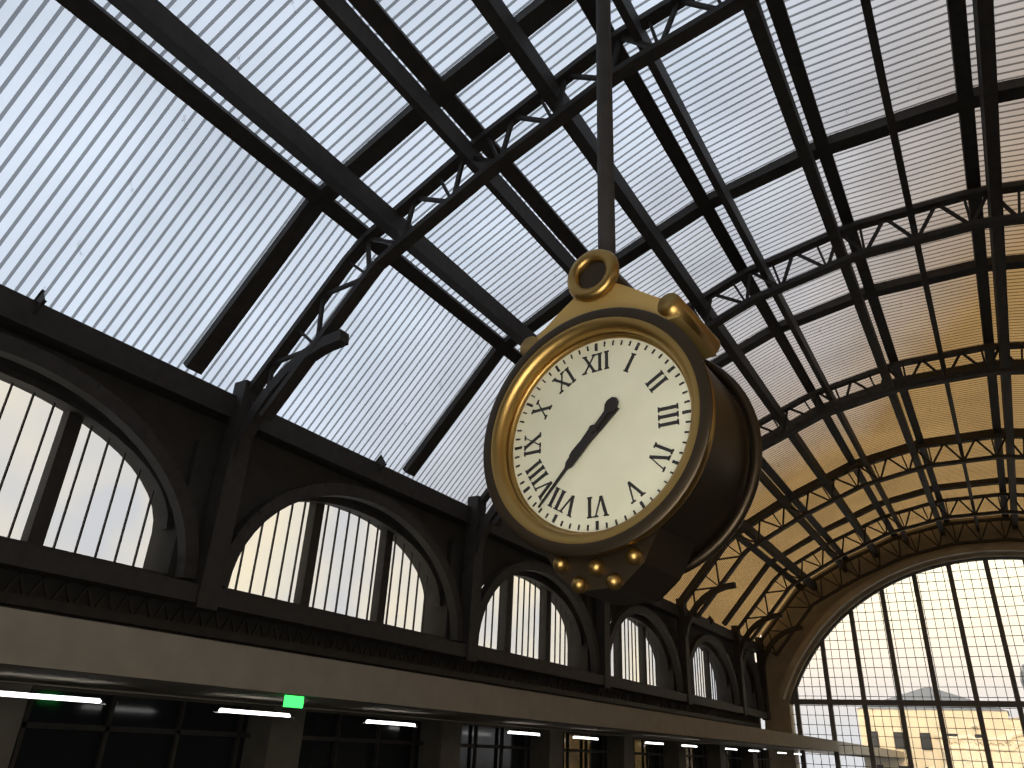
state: 7:37
